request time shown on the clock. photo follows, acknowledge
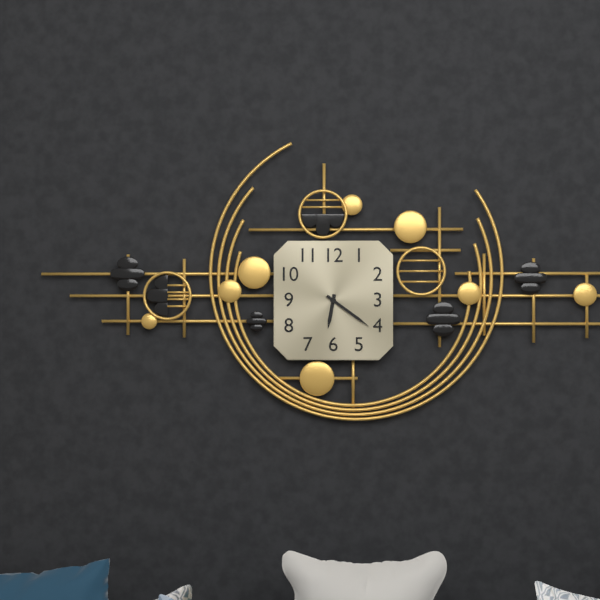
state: 6:21
